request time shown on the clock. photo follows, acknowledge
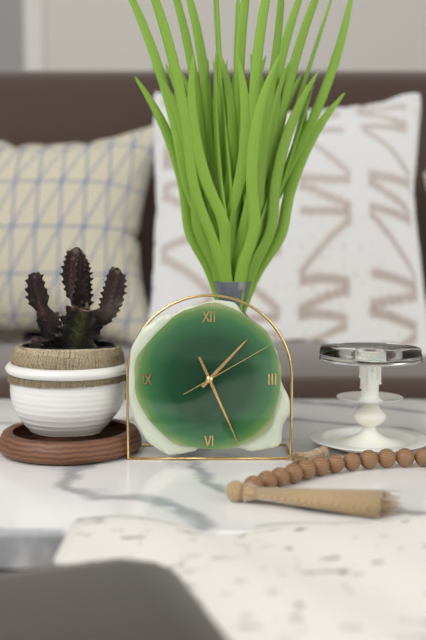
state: 1:26:10
